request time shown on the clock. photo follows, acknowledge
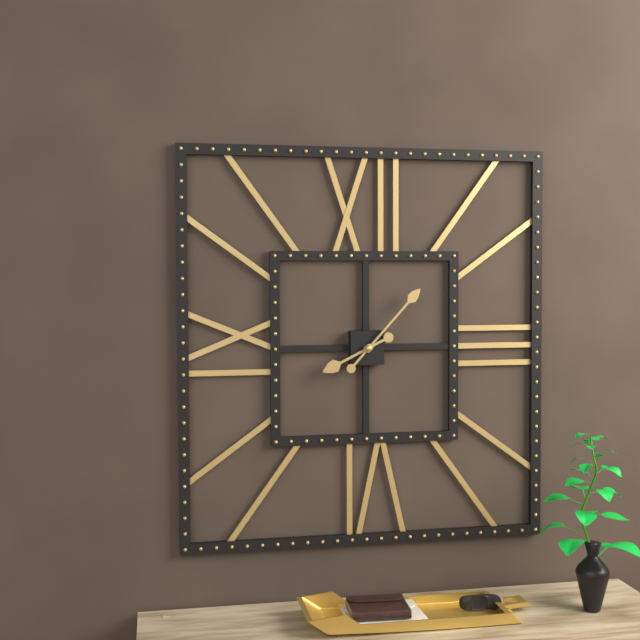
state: 8:07
